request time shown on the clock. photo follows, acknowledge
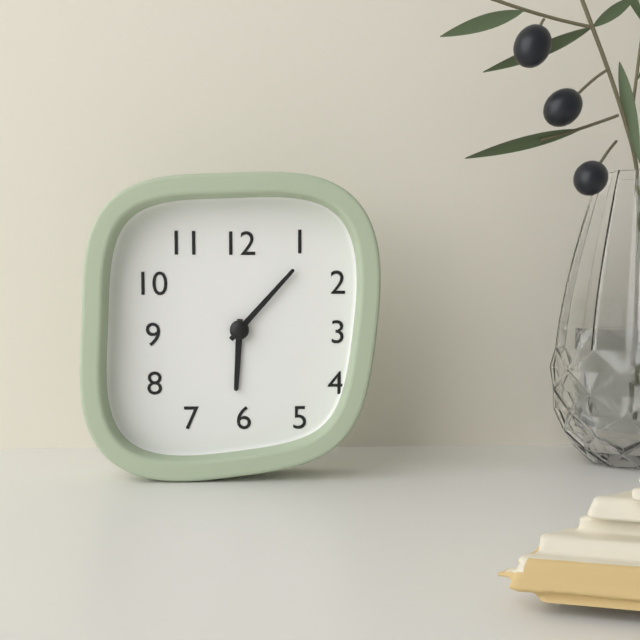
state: 6:07
